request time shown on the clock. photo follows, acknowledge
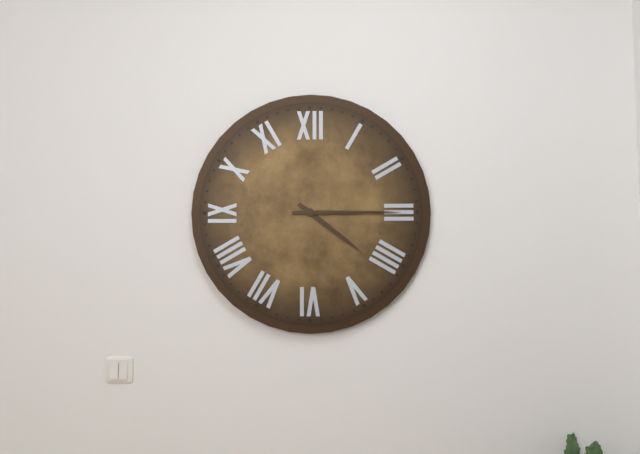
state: 4:15
